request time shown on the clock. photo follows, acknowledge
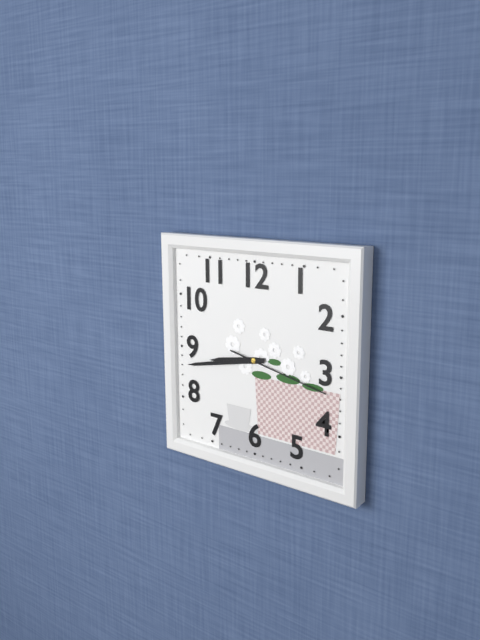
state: 8:43:17
